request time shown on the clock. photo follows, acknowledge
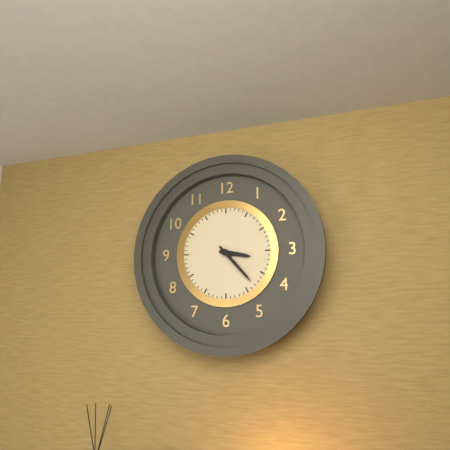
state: 3:23
